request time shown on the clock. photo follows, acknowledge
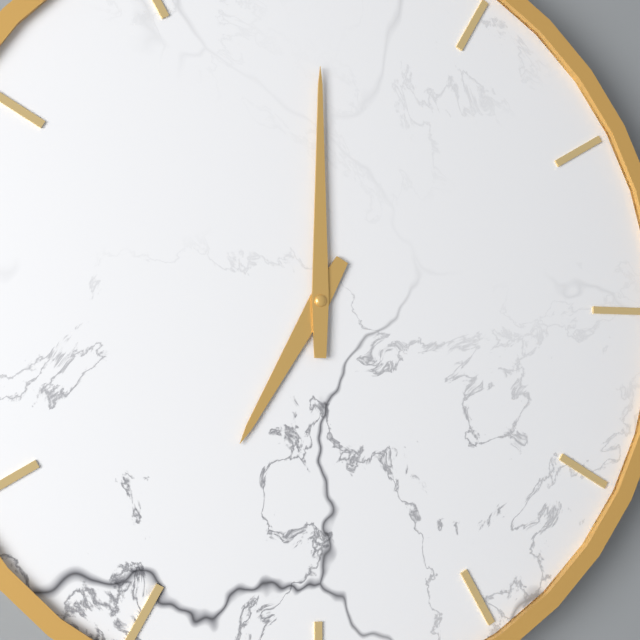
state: 7:00
